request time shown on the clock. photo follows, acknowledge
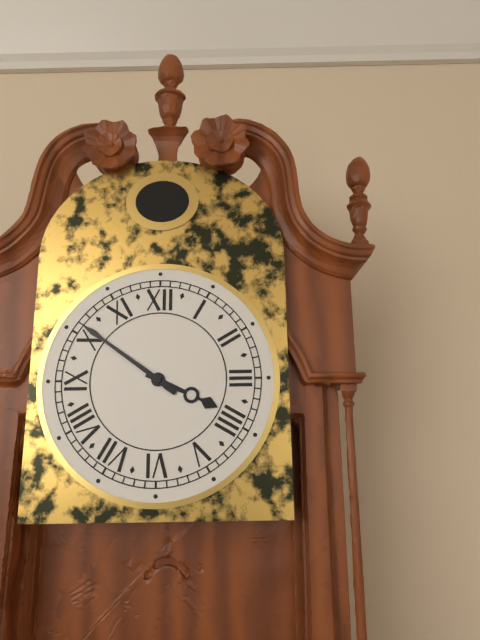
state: 3:51
